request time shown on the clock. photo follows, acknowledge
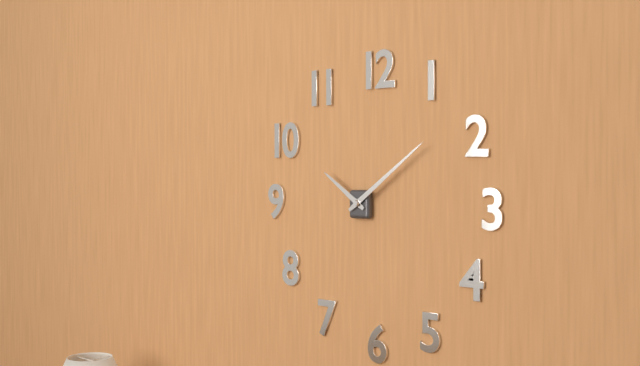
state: 10:09
